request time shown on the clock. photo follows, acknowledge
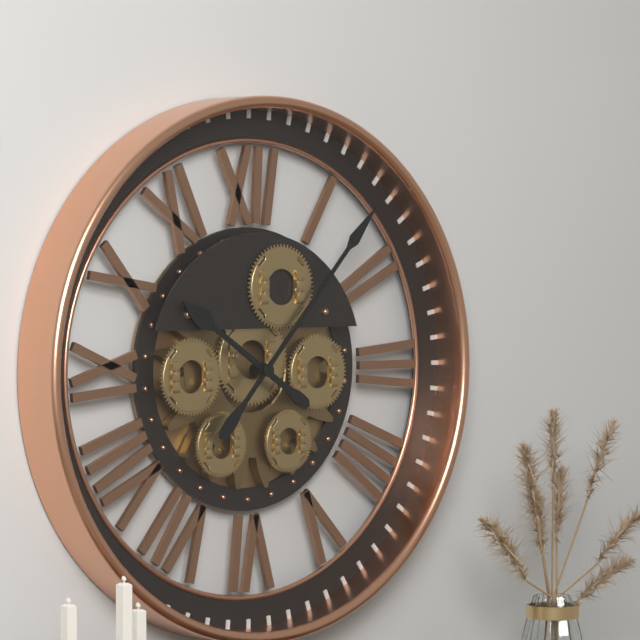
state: 10:07
